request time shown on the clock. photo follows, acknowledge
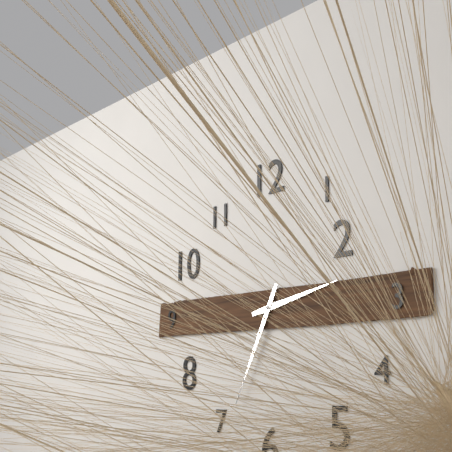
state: 2:34
